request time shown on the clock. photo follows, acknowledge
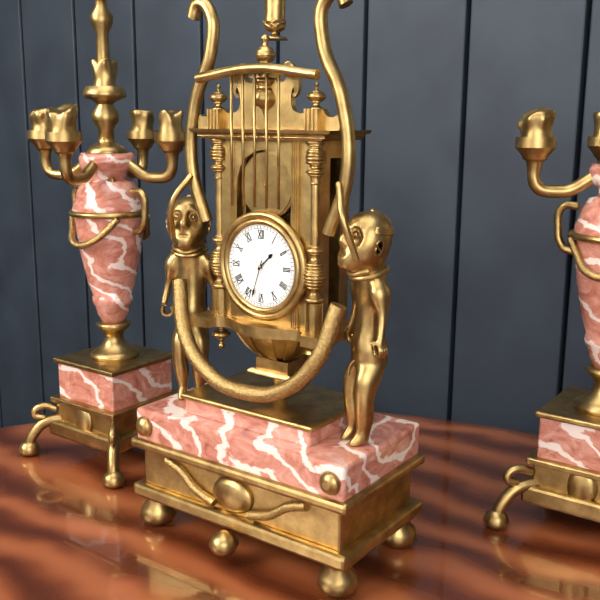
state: 1:33
